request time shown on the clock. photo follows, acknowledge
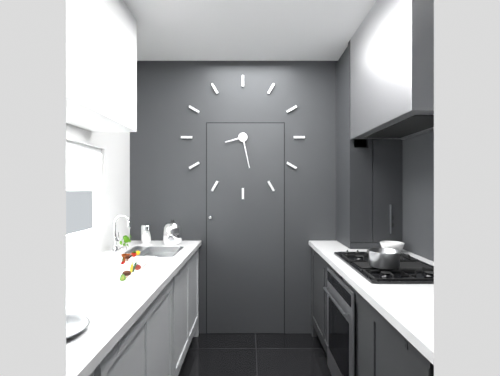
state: 8:28
